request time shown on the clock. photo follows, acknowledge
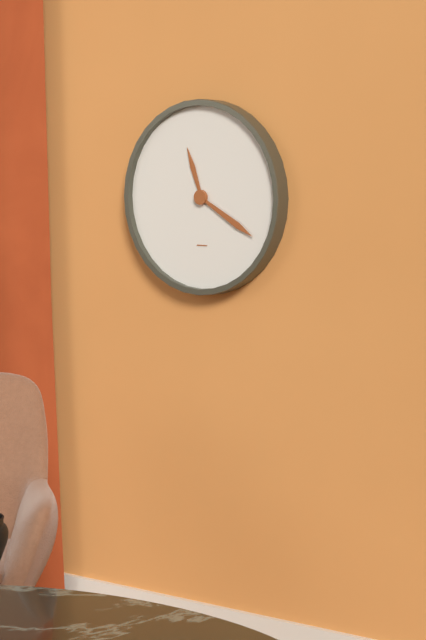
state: 11:20
